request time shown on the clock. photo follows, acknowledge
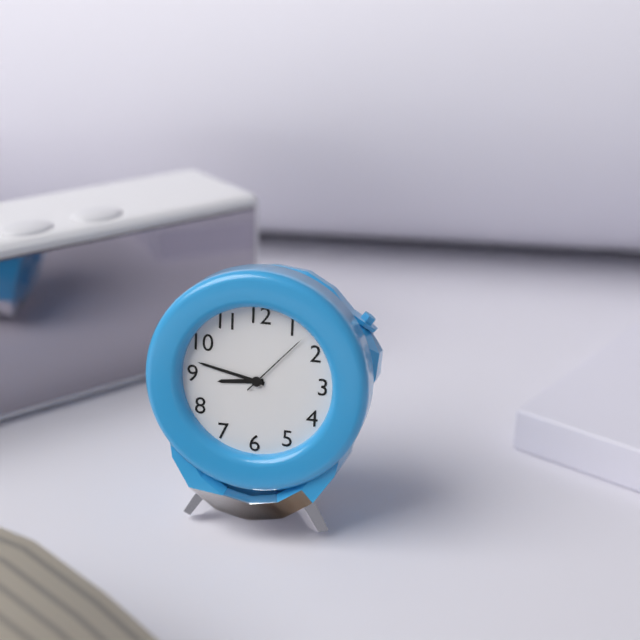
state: 8:47:07
